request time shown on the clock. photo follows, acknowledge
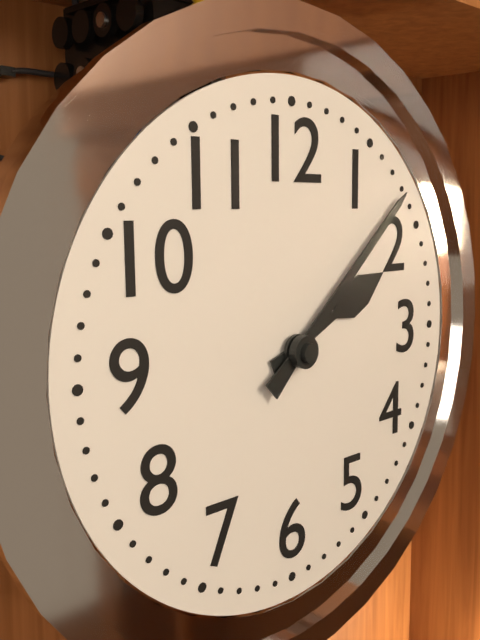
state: 2:08
